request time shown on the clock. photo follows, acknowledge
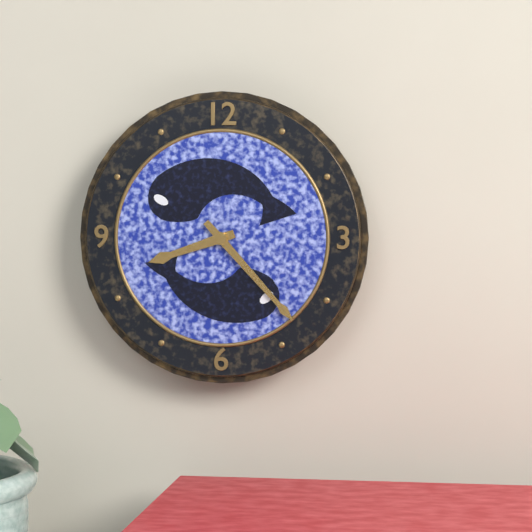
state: 8:23
